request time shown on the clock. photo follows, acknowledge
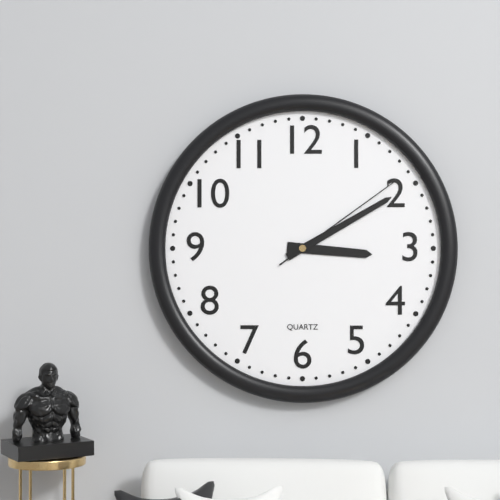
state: 3:10:09
